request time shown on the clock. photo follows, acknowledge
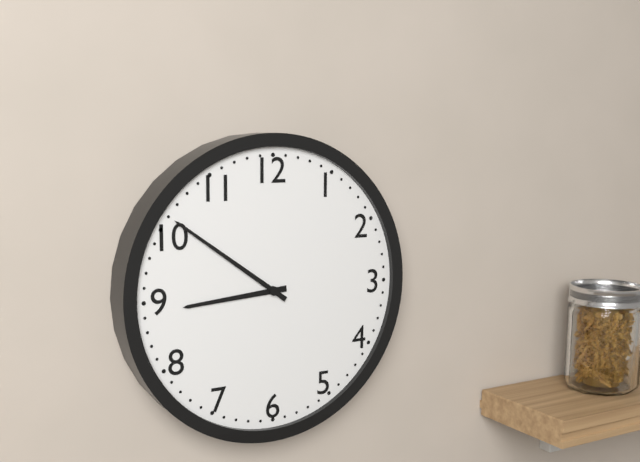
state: 8:51
